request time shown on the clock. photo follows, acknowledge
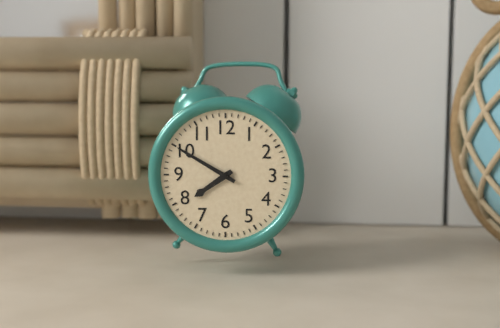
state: 7:50
